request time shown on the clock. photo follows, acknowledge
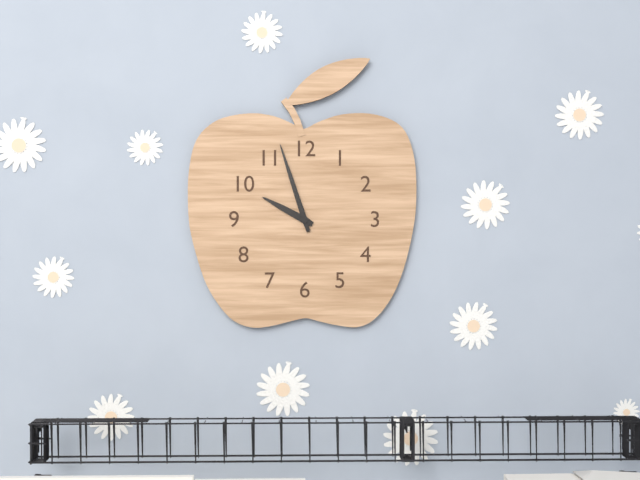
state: 9:57
